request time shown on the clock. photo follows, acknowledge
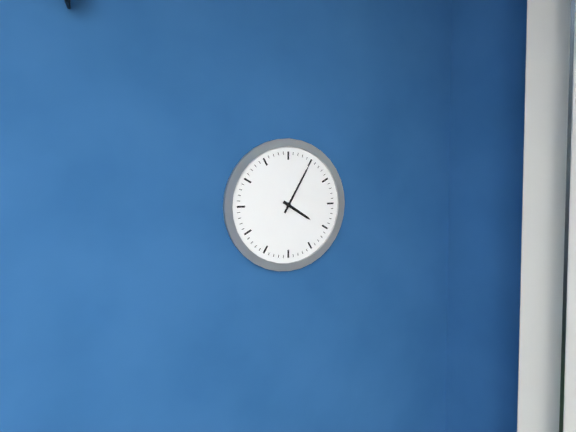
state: 4:05
